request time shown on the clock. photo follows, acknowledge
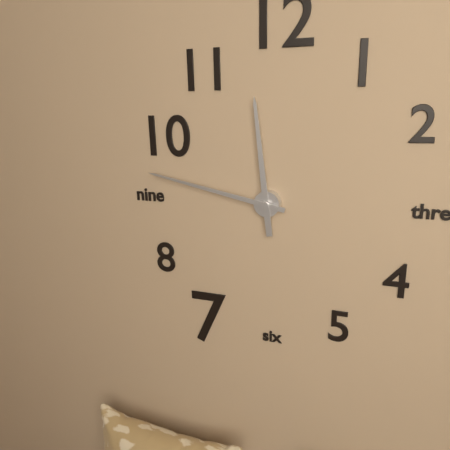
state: 11:47
